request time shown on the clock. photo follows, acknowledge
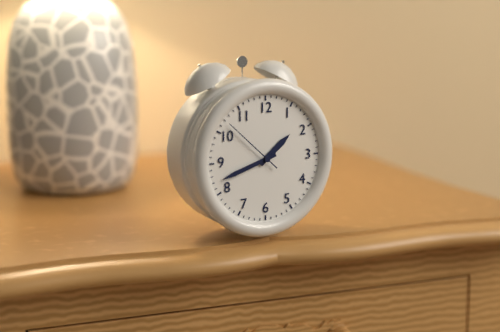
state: 1:42:52
